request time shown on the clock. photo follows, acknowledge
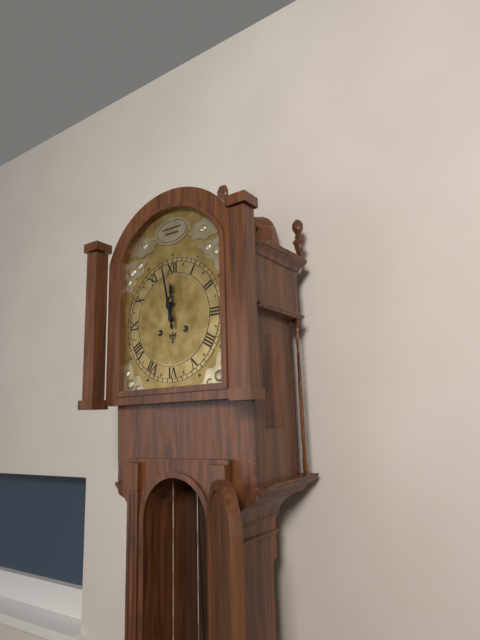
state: 11:58
